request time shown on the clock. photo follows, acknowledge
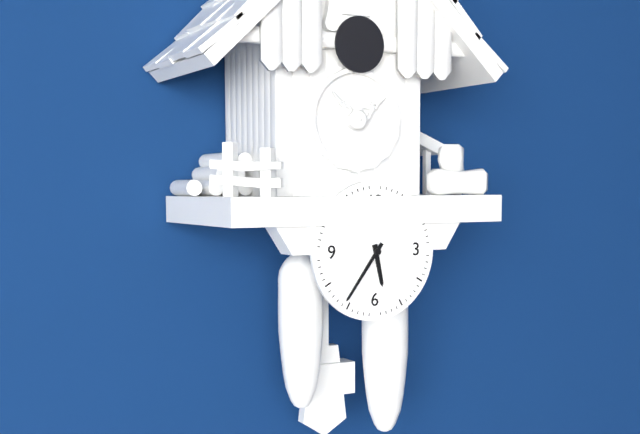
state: 5:36
